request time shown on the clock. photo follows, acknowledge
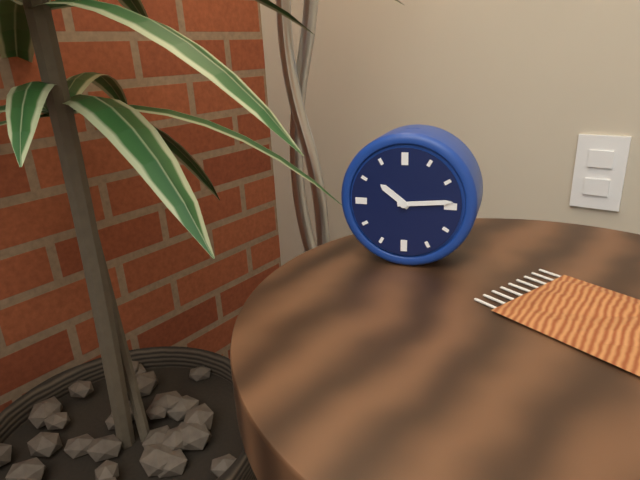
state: 10:14
